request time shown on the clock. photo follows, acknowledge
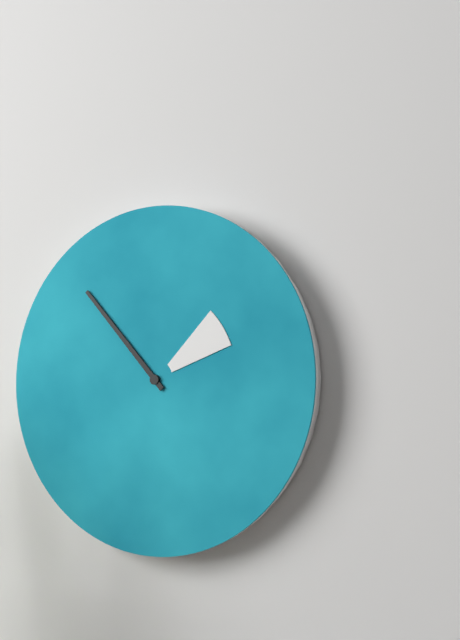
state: 1:53
